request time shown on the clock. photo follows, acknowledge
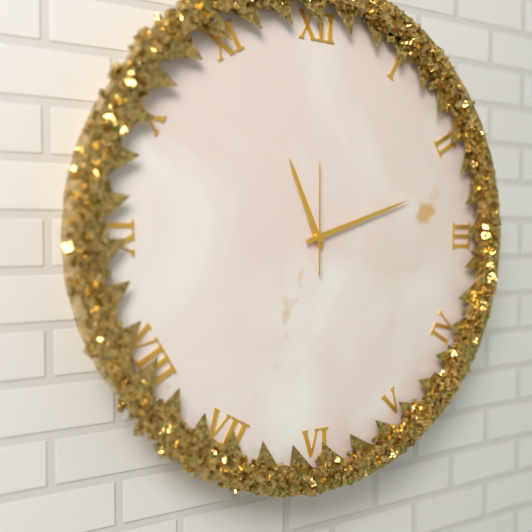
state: 11:12:00
